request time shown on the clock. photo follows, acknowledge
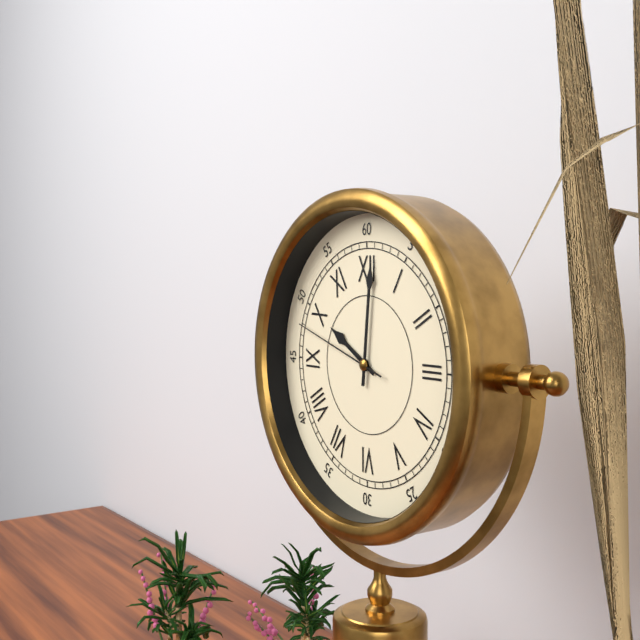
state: 10:01:48
